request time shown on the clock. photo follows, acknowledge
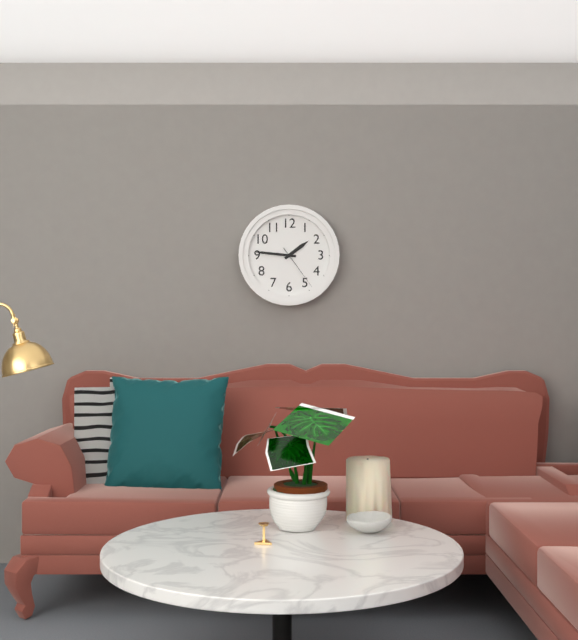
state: 1:46
